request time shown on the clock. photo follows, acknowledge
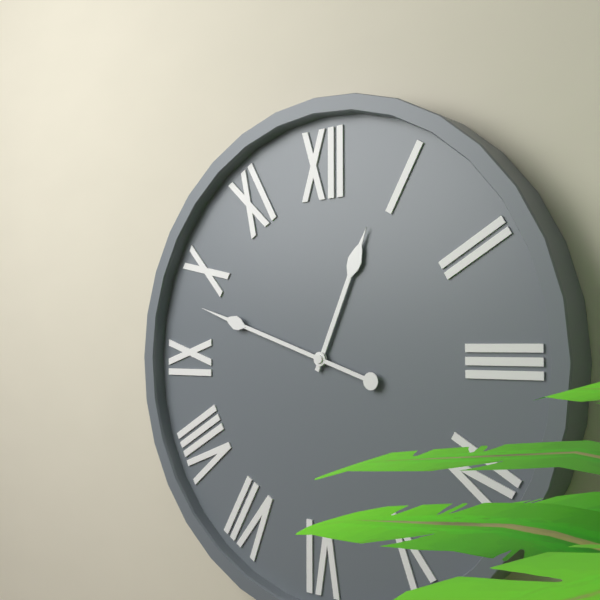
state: 12:48
